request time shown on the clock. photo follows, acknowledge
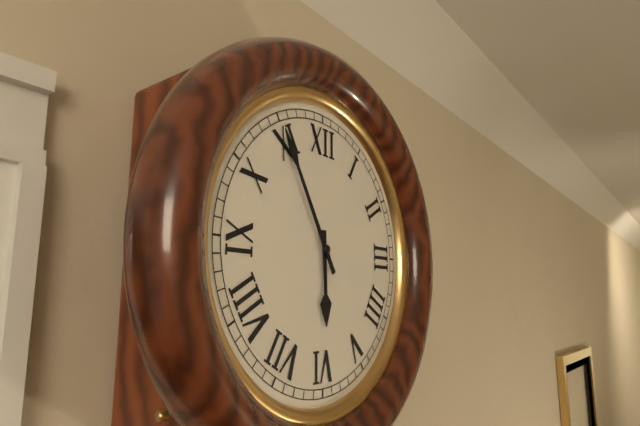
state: 5:55
